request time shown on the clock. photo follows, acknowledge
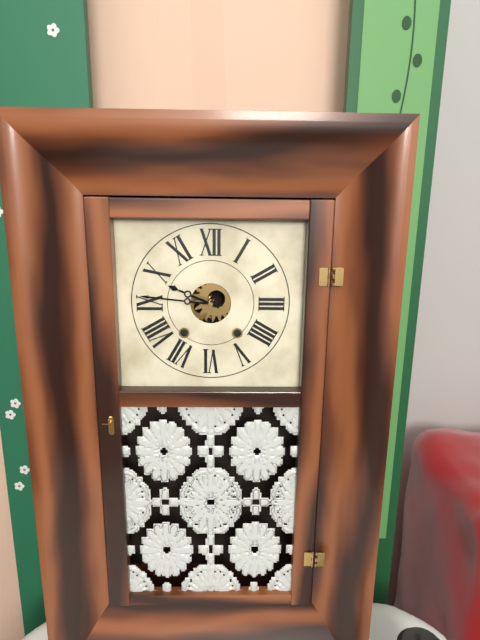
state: 9:46
